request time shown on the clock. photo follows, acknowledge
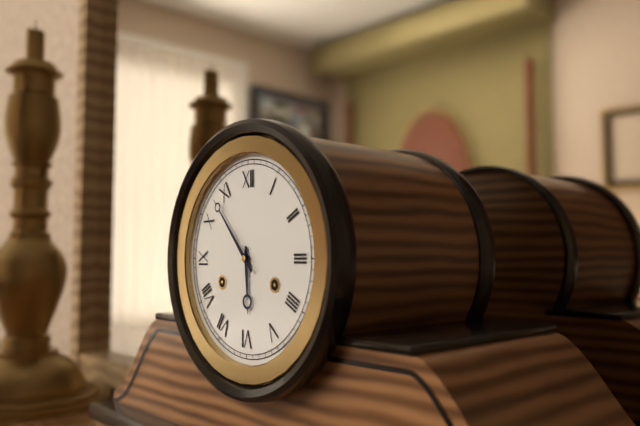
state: 5:53
